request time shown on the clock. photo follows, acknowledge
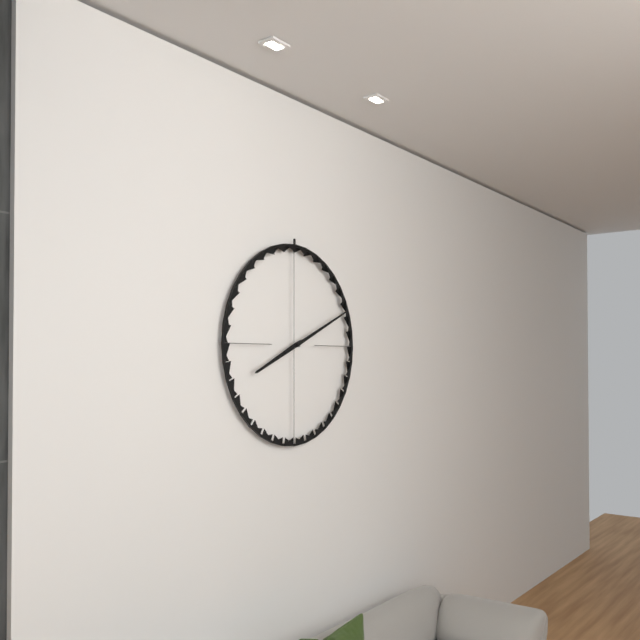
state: 8:11
